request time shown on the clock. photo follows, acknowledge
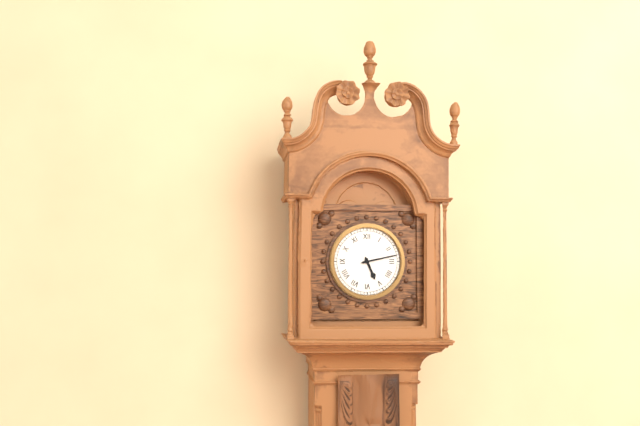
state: 5:13
